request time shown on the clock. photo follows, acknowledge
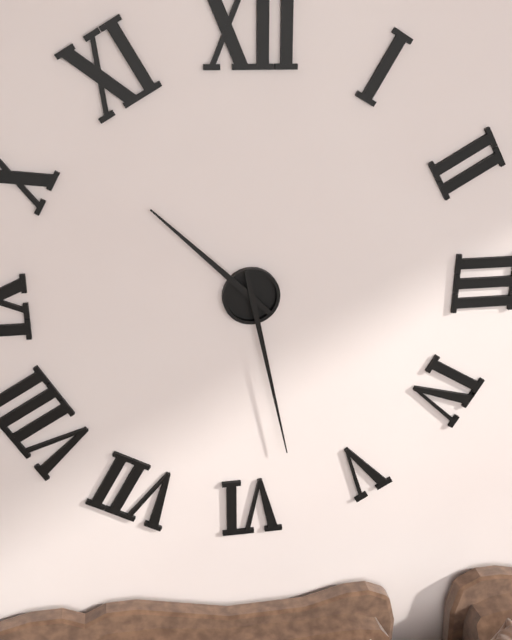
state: 10:28
